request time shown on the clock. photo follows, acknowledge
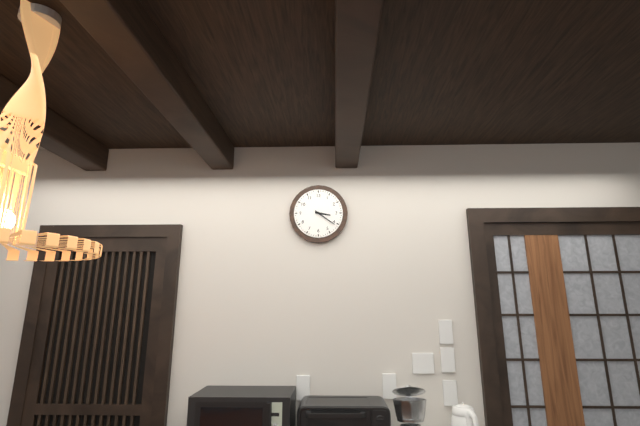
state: 3:21
